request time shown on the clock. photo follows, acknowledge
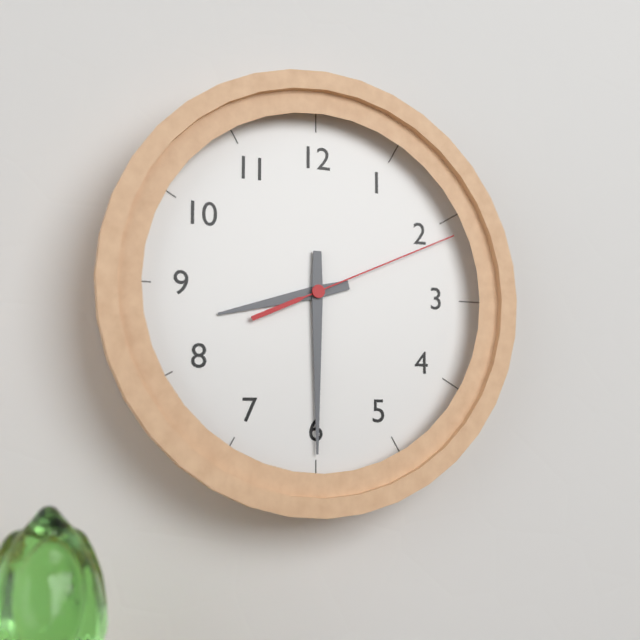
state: 8:30:11
